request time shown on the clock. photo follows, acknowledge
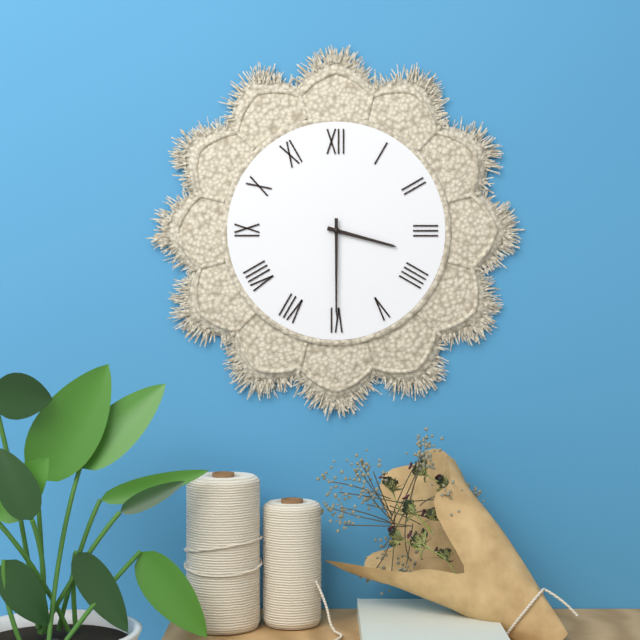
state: 3:30
